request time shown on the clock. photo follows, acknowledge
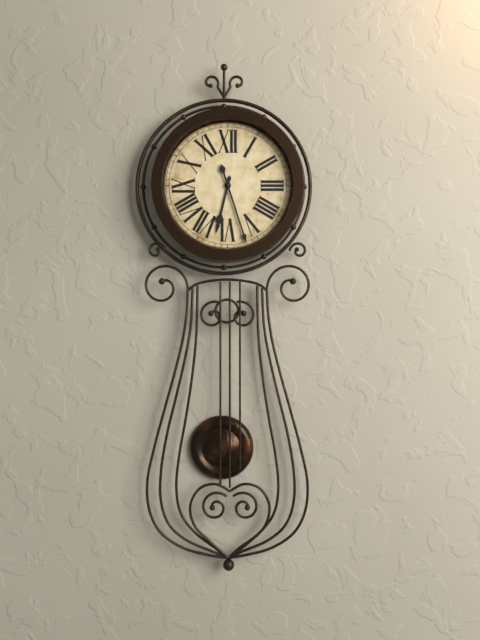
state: 6:27
